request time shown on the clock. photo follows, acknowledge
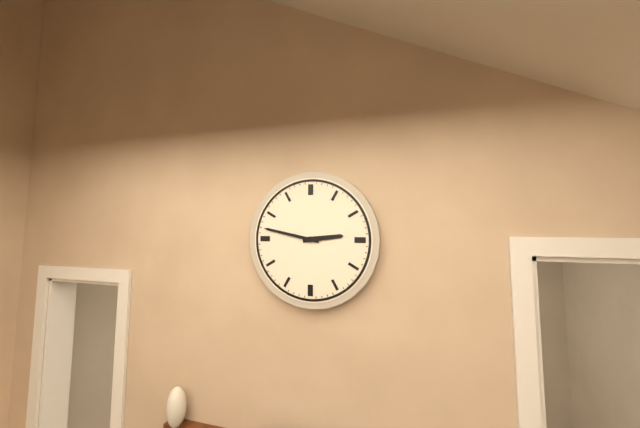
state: 2:47
